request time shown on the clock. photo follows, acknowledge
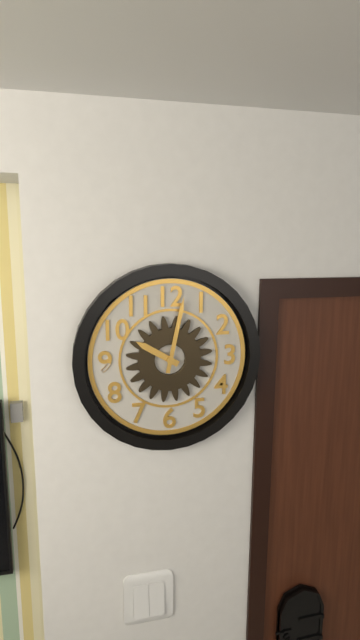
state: 10:02
